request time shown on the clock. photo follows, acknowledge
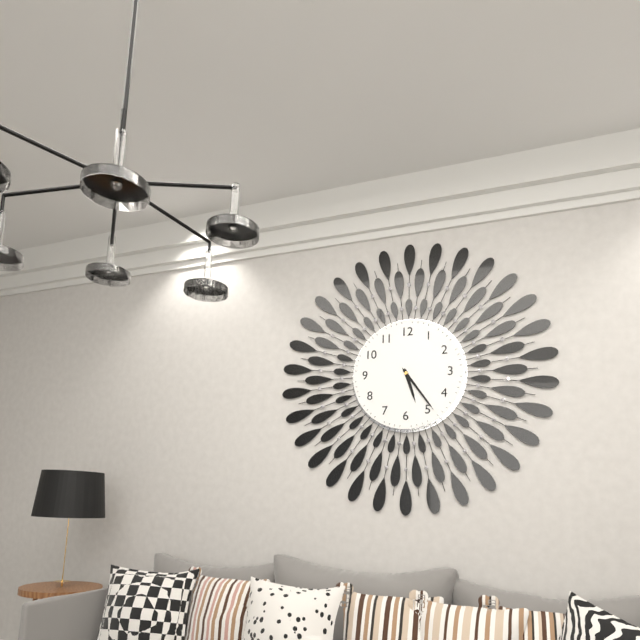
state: 5:24
